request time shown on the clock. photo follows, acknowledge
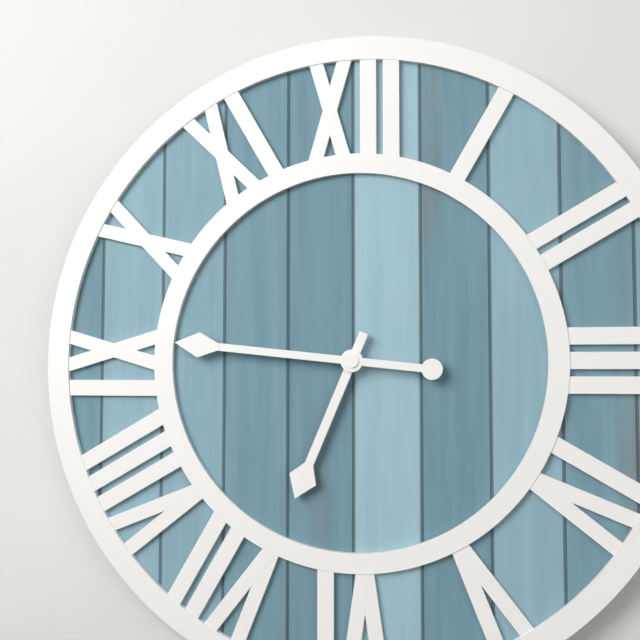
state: 6:46
